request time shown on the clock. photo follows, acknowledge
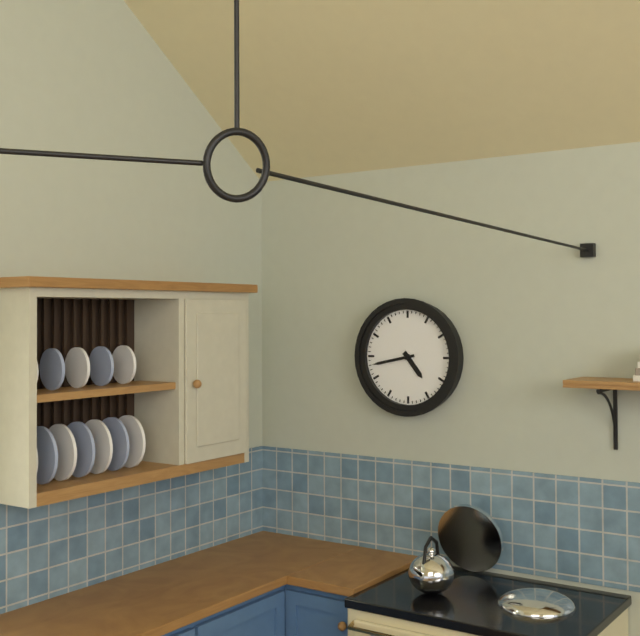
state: 4:43
